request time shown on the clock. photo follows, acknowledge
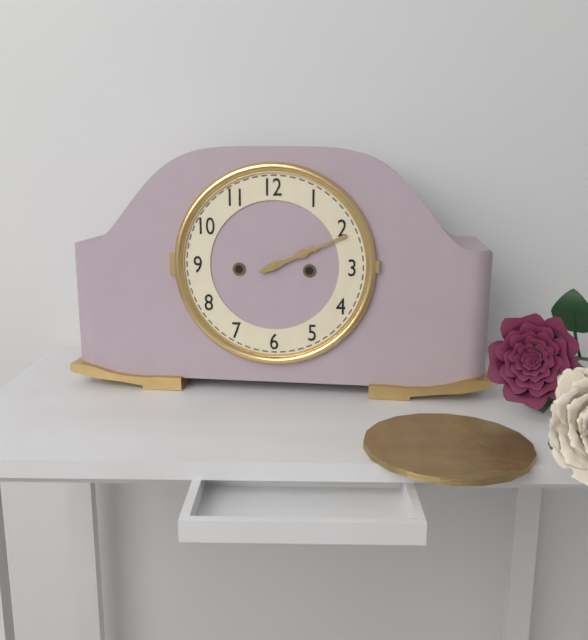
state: 2:11
